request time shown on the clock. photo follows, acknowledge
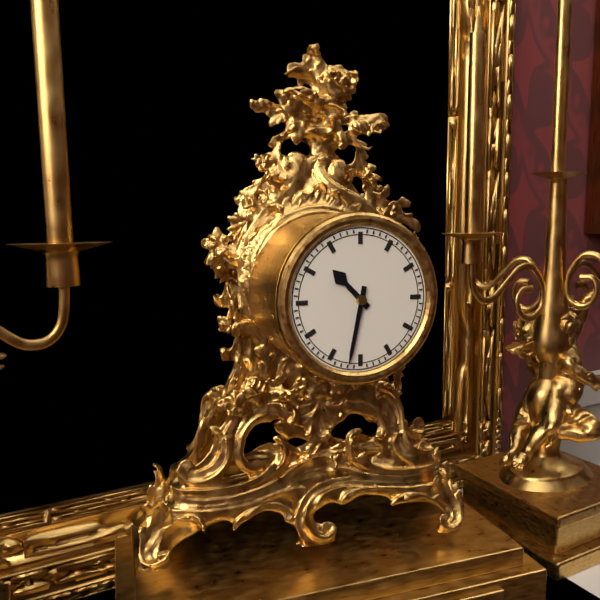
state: 10:32
